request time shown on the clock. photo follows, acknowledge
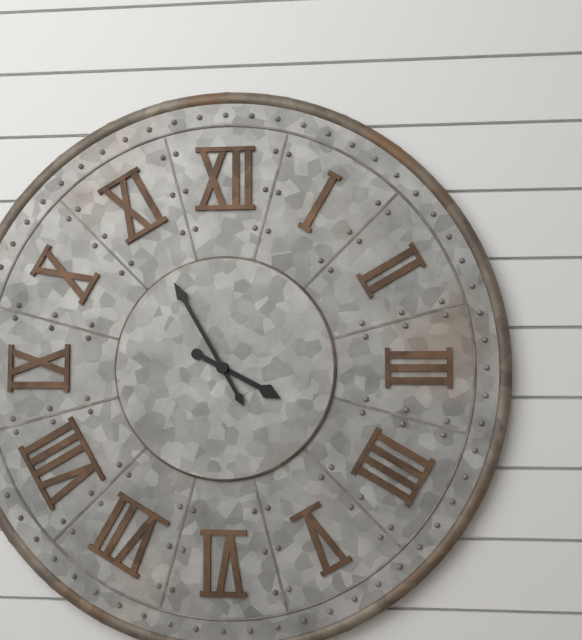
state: 3:55
